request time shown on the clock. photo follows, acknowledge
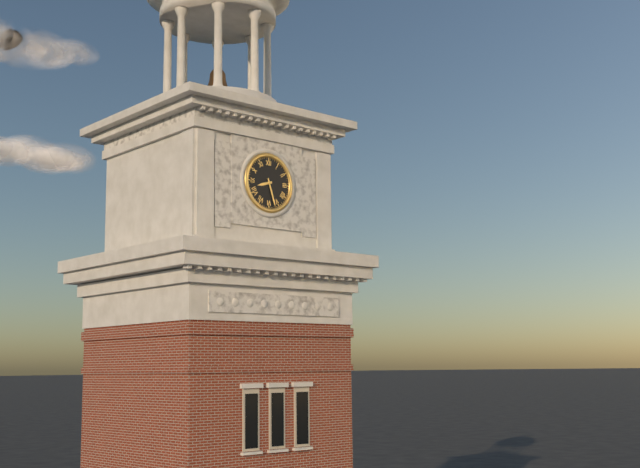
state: 8:27
